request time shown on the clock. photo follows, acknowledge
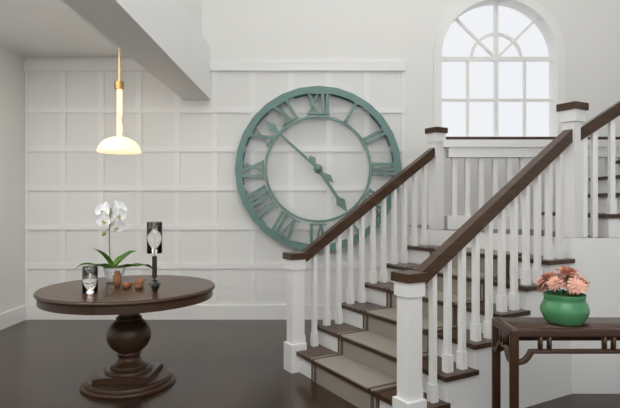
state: 4:52
